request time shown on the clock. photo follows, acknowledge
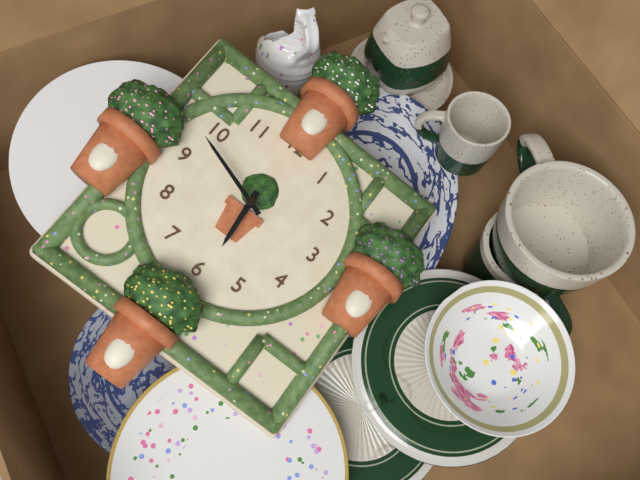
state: 5:48
